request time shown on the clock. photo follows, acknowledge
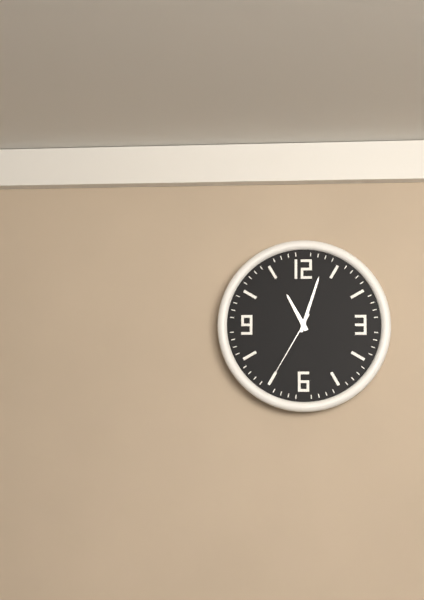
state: 11:03:35
